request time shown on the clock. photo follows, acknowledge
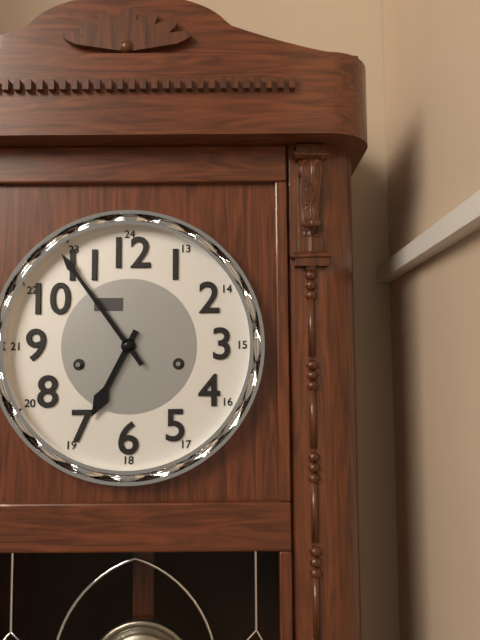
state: 6:54
